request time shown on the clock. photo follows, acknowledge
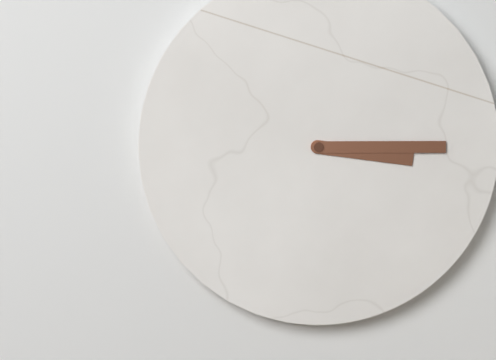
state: 3:15
